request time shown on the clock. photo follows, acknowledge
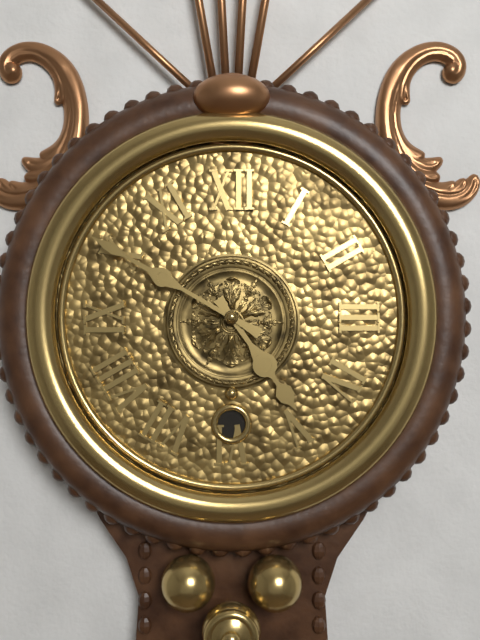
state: 4:50
